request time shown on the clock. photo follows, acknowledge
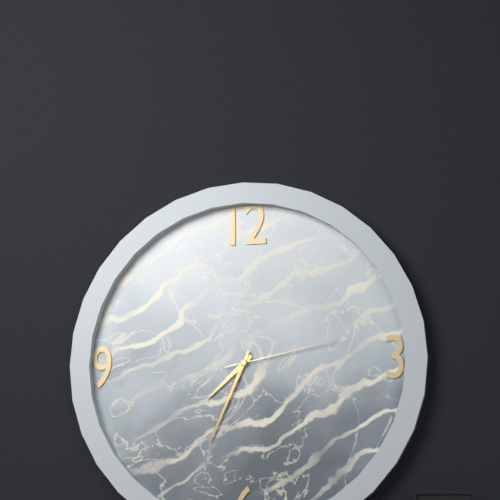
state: 7:34:13
